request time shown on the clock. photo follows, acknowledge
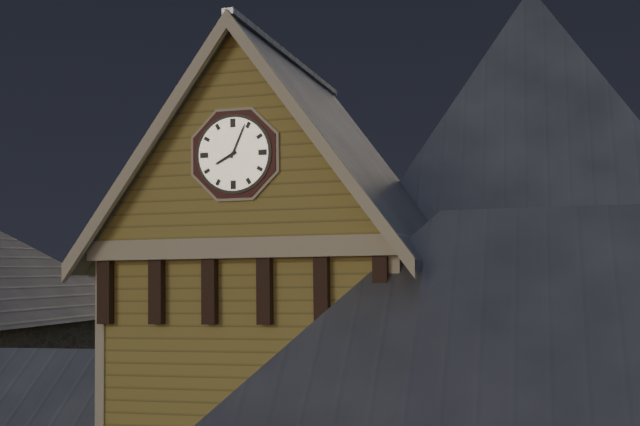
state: 8:04
